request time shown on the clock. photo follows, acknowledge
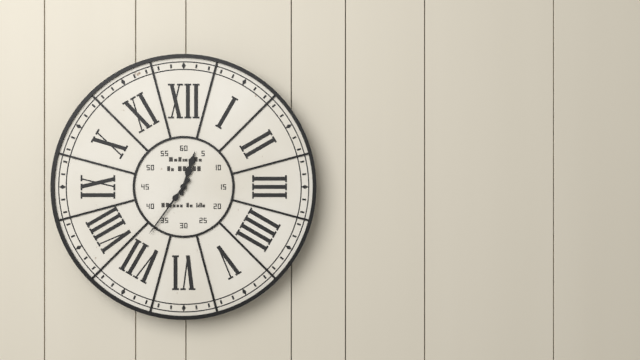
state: 12:36
